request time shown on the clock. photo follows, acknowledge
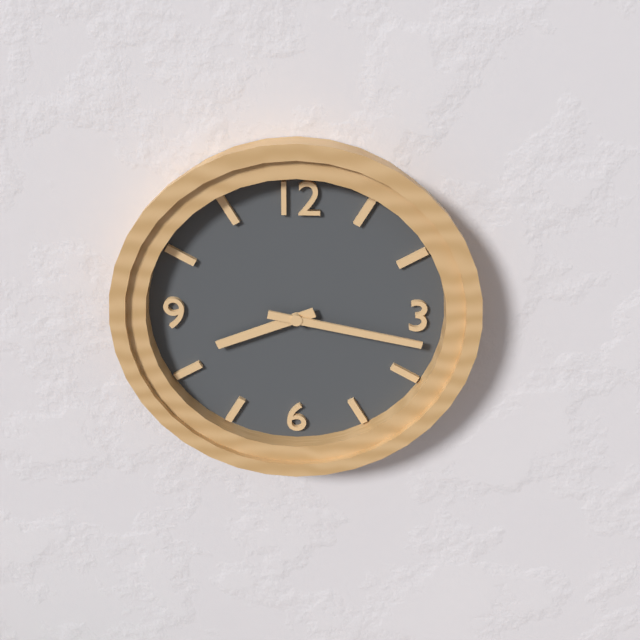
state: 8:17
